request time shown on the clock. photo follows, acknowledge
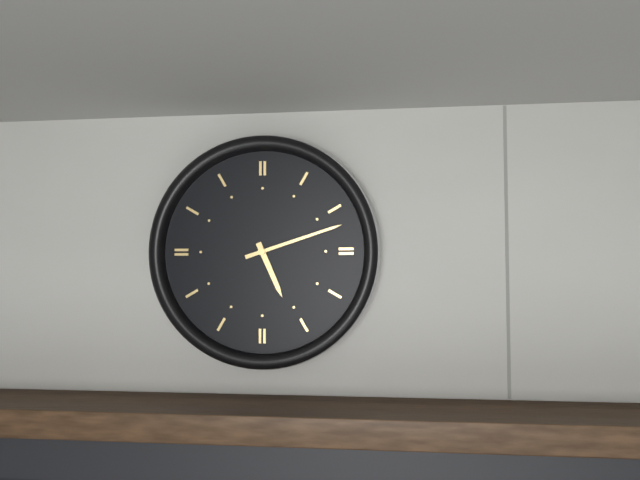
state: 5:12
